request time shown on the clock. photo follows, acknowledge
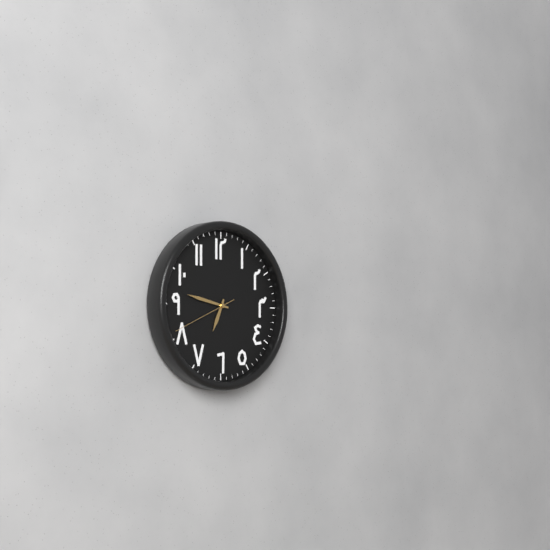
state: 6:47:41
